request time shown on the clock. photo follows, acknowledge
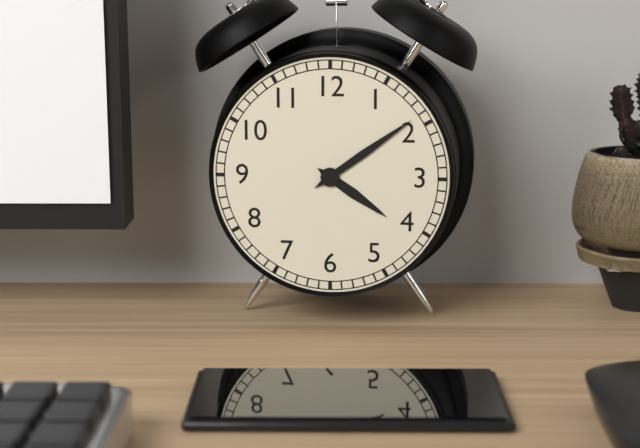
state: 4:09
